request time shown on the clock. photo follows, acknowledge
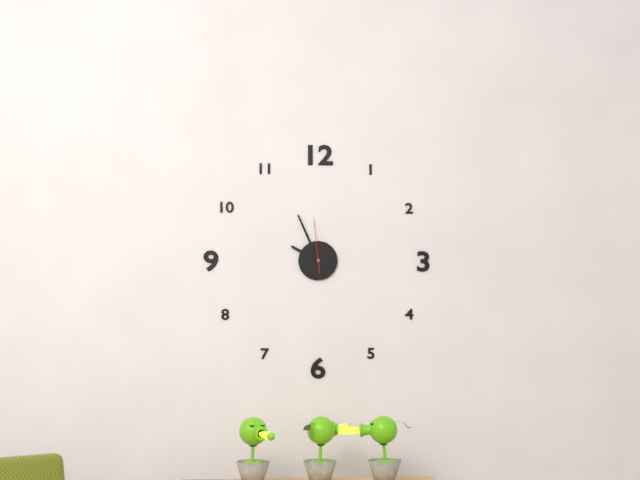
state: 9:56:59
